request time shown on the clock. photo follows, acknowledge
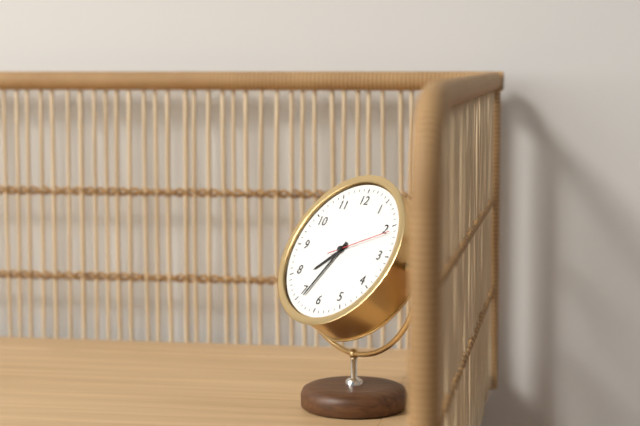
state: 7:34:11
